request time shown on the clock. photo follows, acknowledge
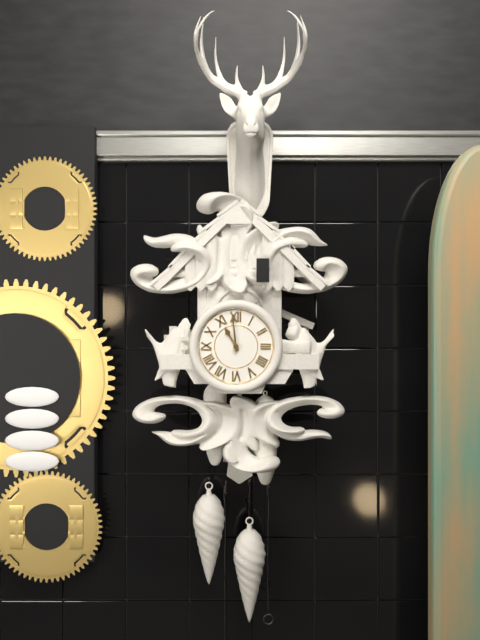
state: 10:59
